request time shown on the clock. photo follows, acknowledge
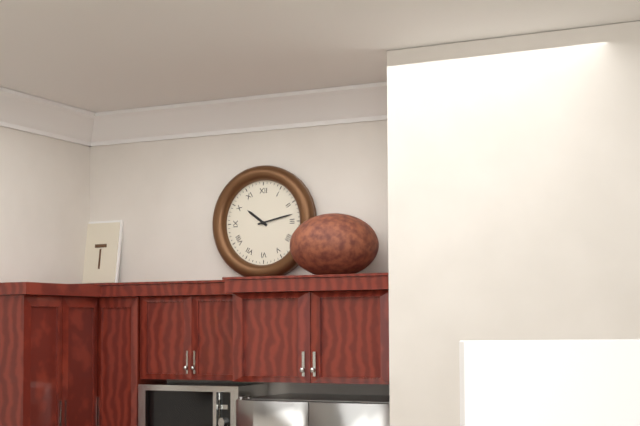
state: 10:13
